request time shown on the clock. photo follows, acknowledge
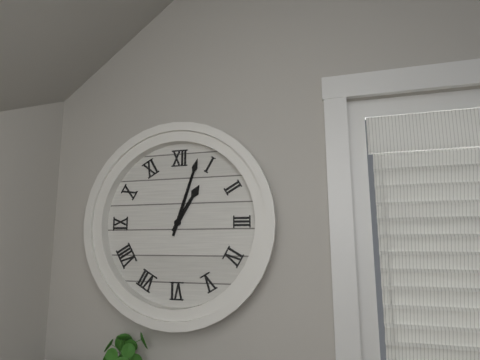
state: 1:03
